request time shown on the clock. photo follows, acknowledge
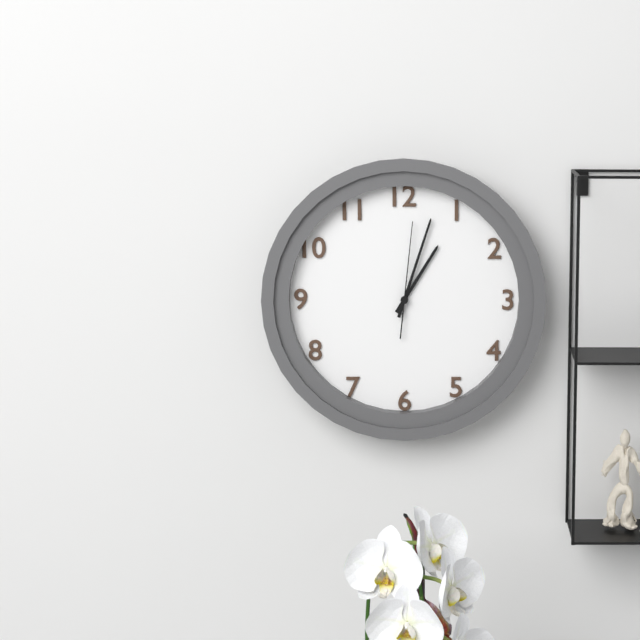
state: 1:03:01
